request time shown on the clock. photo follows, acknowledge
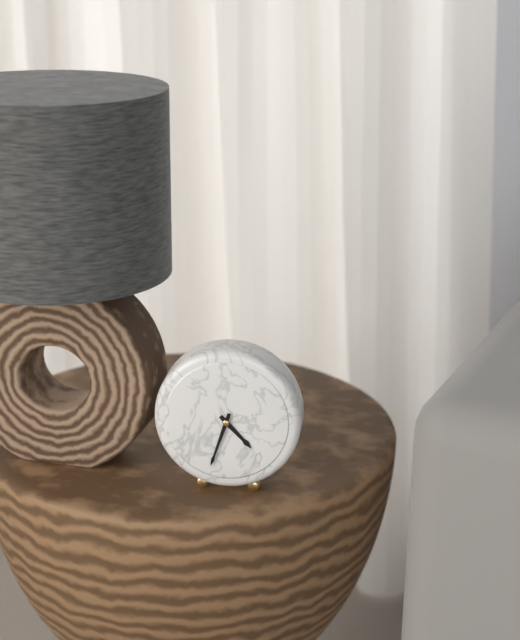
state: 4:33
